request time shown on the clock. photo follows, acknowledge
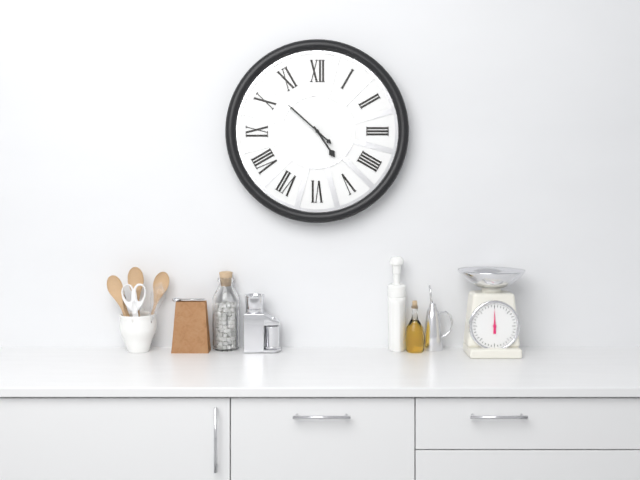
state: 4:52
